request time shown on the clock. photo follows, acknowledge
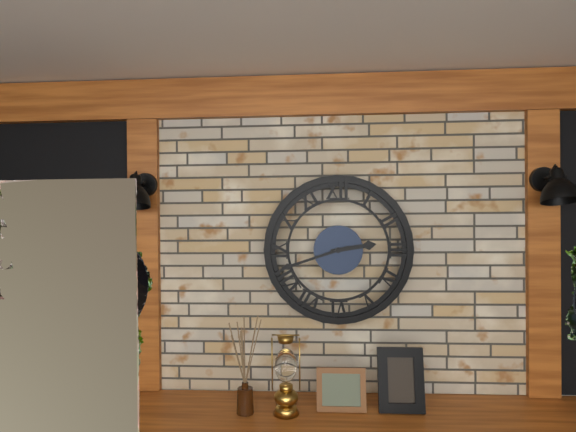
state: 2:42
